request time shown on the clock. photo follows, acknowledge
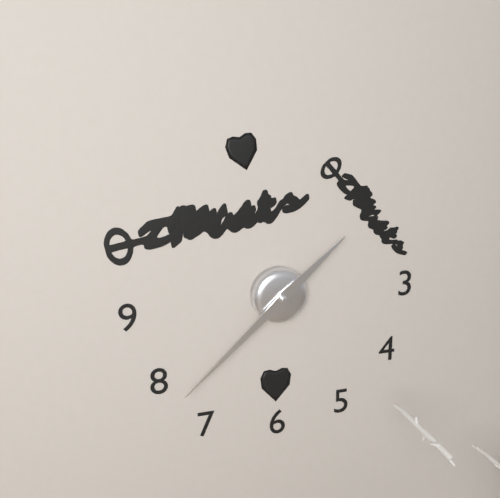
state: 1:38
